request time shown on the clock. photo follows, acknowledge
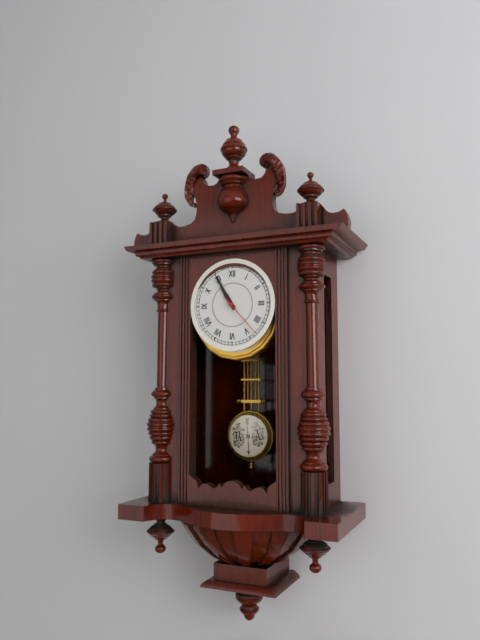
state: 10:55
